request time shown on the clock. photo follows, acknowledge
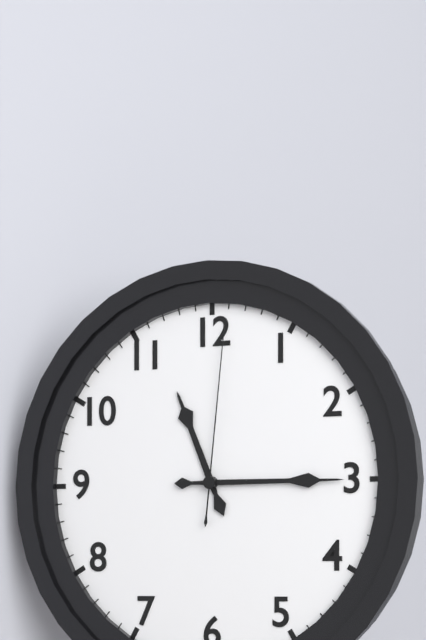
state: 11:15:01
